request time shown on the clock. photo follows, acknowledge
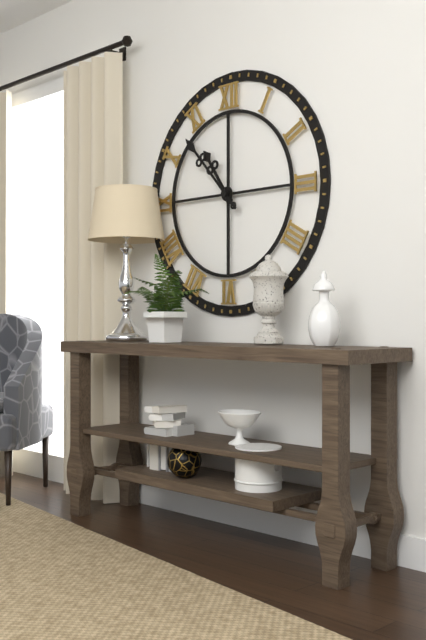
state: 10:53
